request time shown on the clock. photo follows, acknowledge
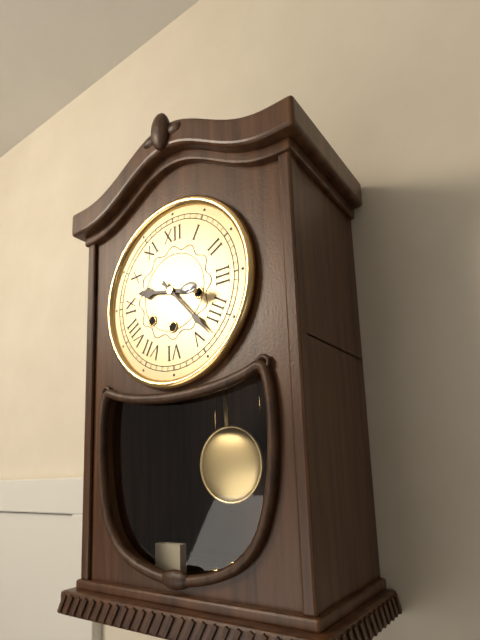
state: 9:23
